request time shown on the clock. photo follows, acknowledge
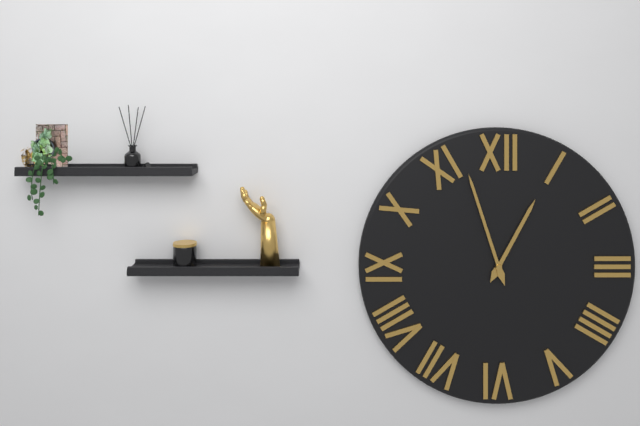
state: 12:57
